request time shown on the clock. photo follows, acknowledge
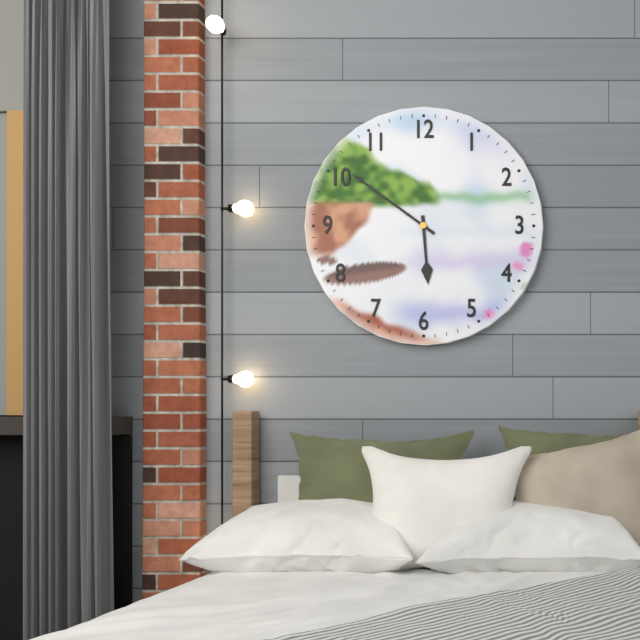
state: 5:51
